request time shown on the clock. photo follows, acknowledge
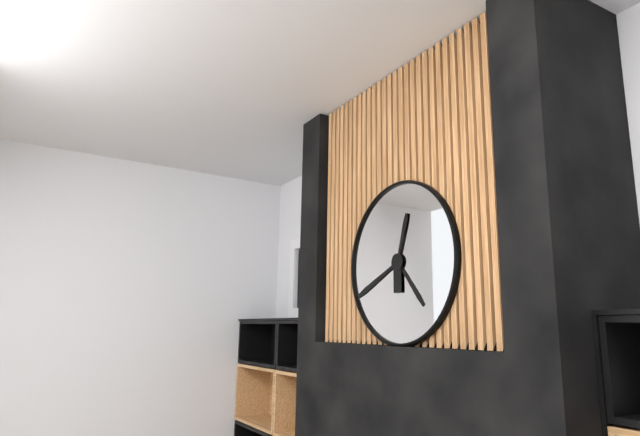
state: 4:41:03
